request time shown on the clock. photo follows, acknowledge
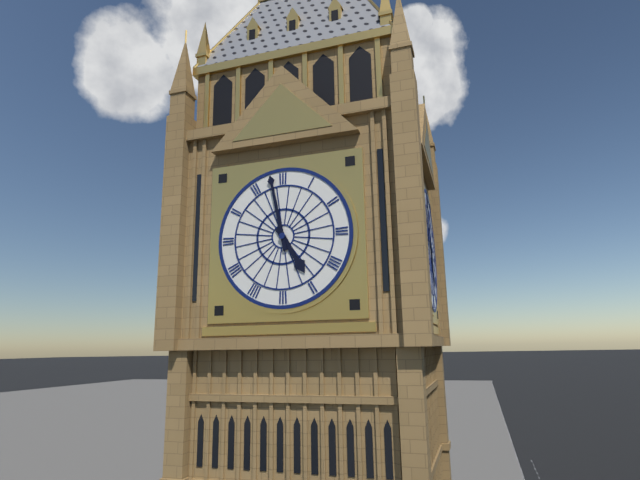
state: 4:58
